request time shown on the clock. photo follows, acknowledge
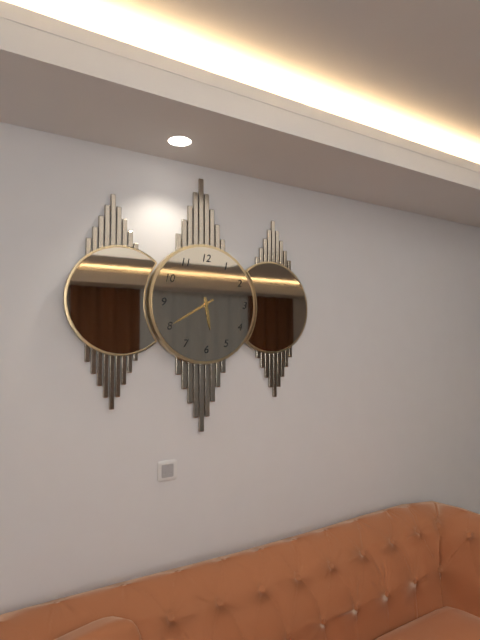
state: 5:40
